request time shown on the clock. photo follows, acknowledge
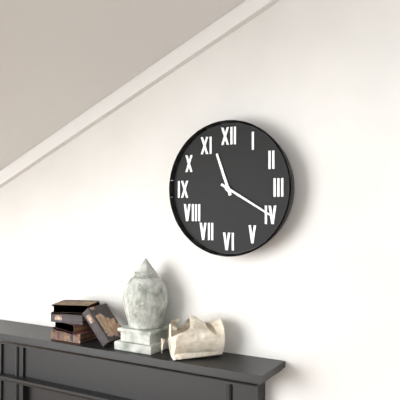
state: 11:20
